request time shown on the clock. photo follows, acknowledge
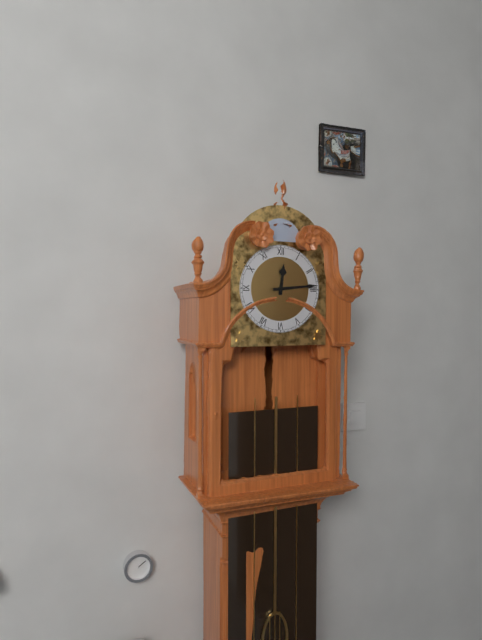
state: 12:14
